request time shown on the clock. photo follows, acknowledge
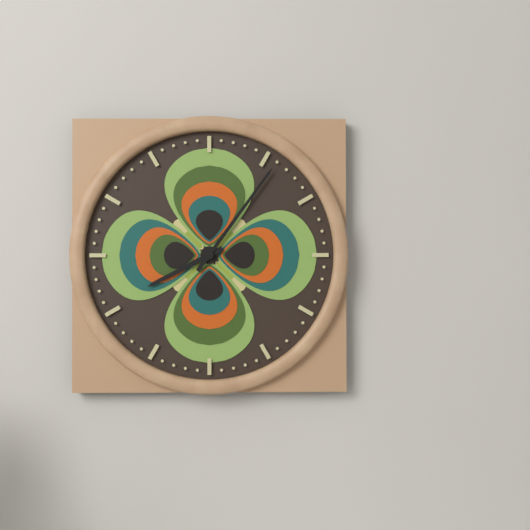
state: 8:06
